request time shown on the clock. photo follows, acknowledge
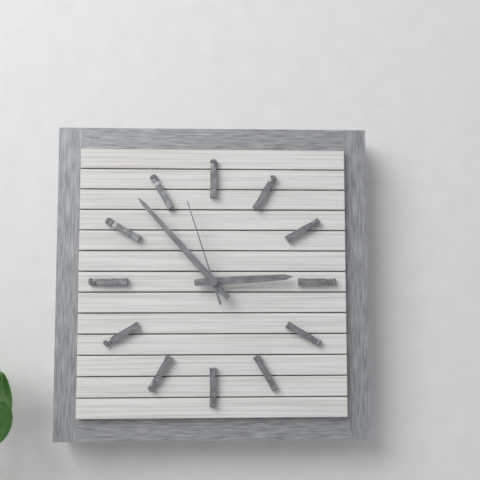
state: 2:53:57
